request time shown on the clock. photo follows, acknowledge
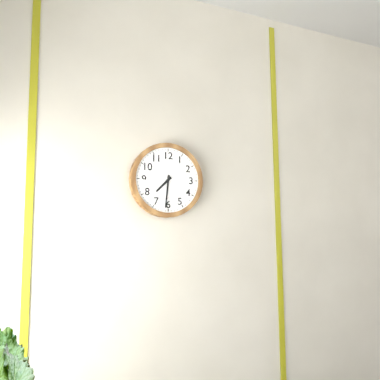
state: 7:31
